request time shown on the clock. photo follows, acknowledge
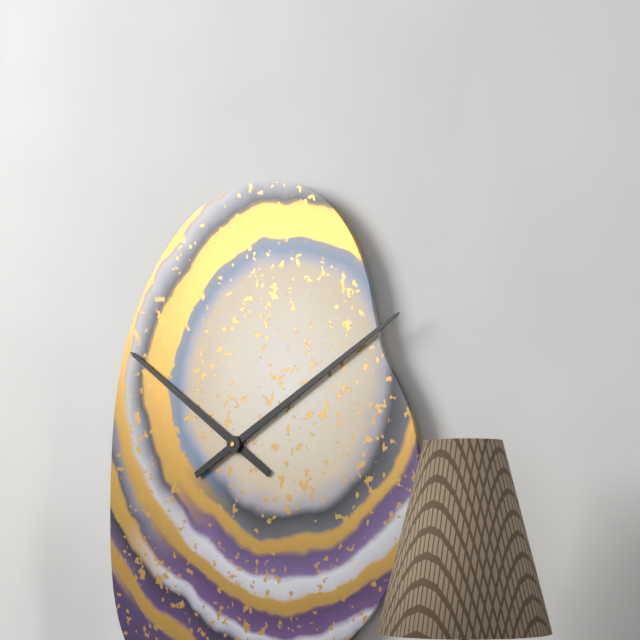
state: 10:10
